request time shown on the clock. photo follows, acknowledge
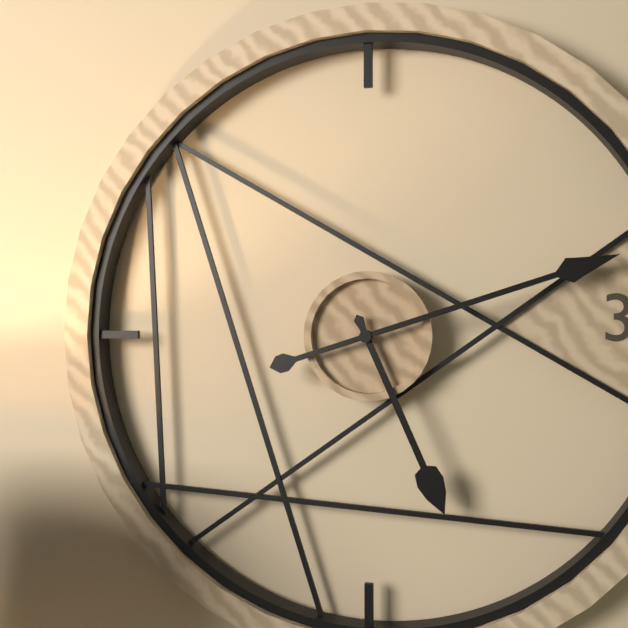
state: 5:12
